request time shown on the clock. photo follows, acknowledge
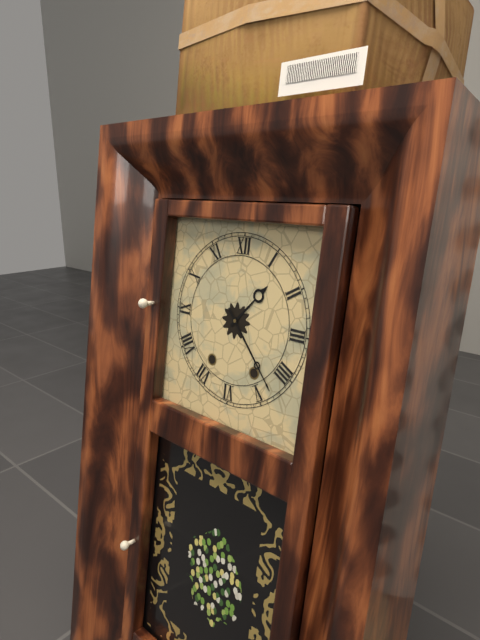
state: 1:23
